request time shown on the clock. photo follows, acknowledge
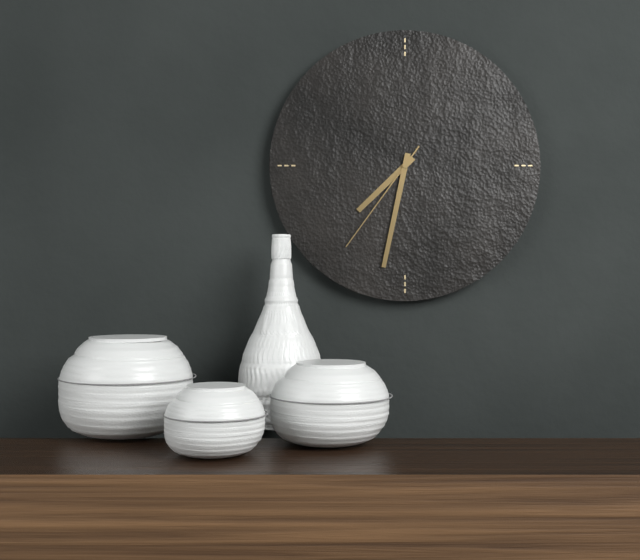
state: 7:32:36
